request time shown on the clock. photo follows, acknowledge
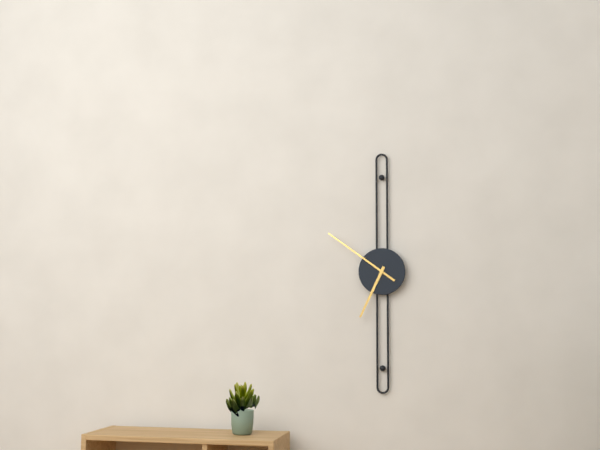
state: 6:51
